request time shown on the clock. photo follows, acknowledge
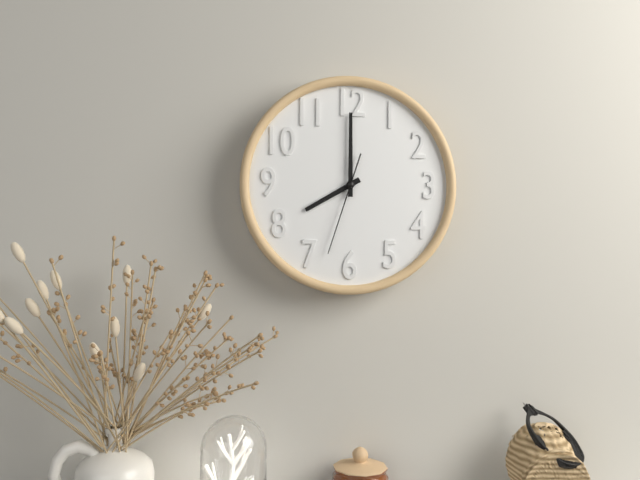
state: 8:00:33
